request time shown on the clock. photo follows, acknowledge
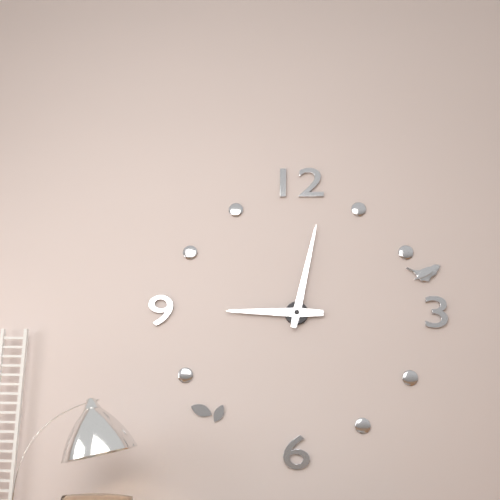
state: 9:02
